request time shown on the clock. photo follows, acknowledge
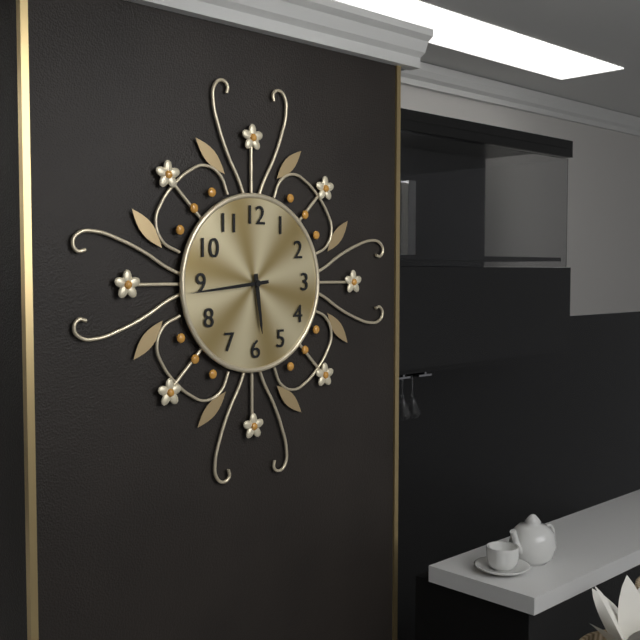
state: 5:44
